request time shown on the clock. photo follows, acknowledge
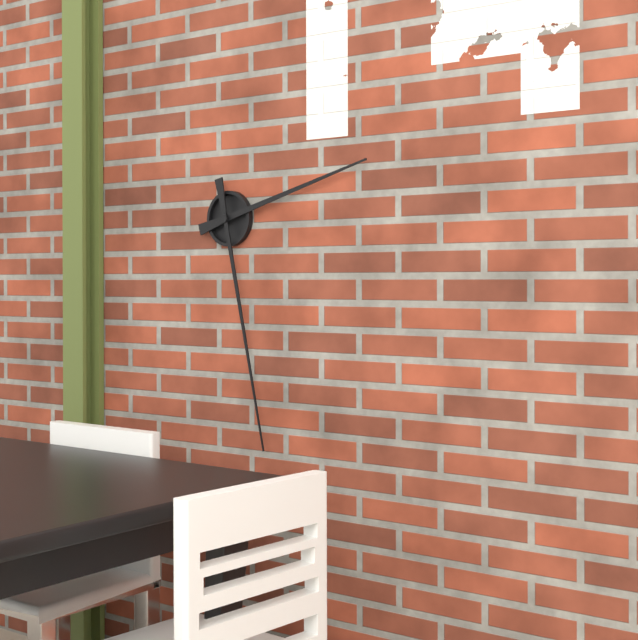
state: 2:28
